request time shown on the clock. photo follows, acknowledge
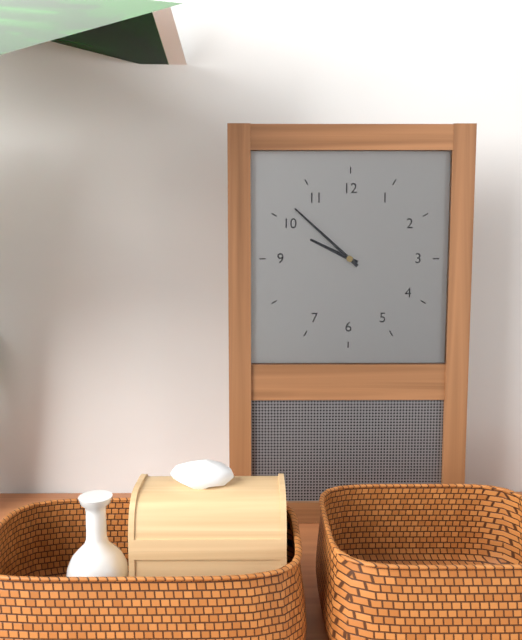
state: 9:52
